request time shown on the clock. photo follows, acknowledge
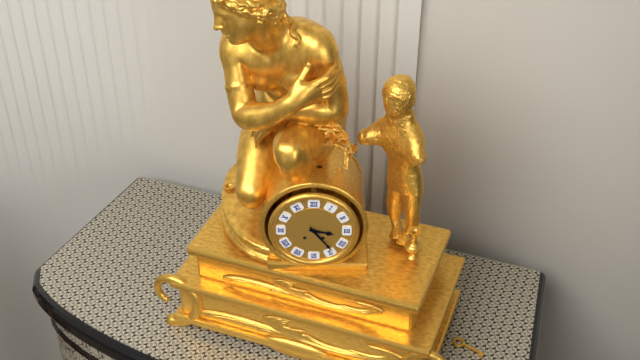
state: 3:24
